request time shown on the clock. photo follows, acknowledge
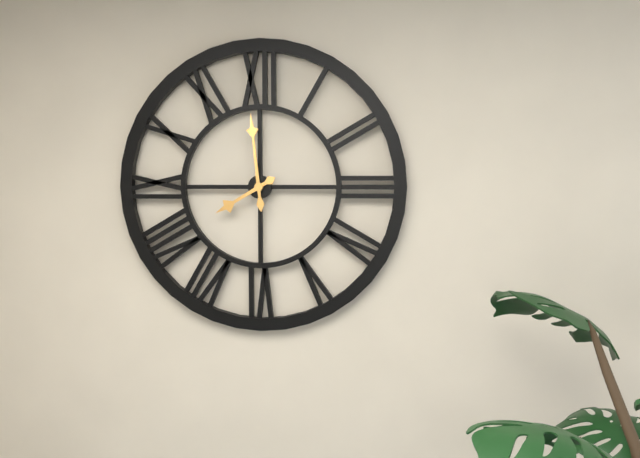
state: 7:59
